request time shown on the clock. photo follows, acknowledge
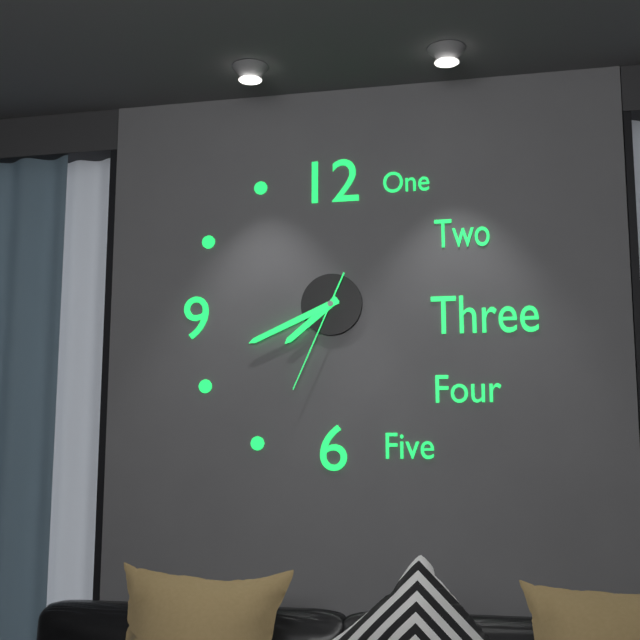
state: 7:41:34
